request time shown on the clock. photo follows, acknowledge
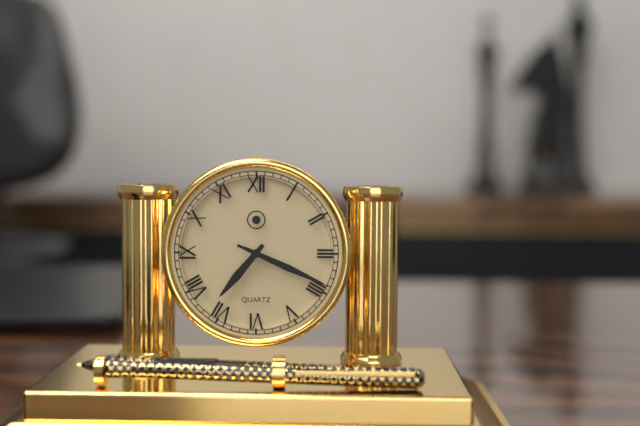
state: 7:19:19
